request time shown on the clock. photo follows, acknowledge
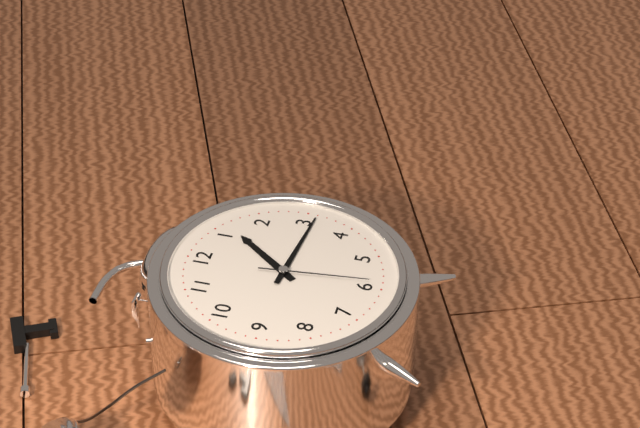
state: 1:16:29
